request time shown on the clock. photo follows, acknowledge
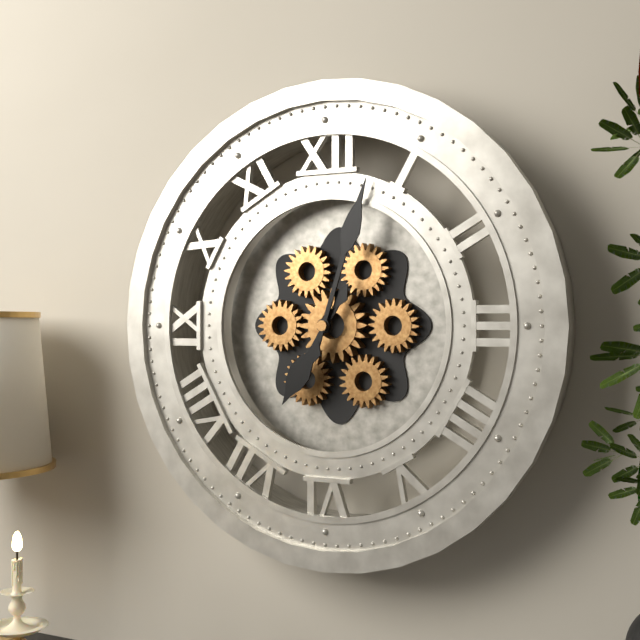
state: 7:03
